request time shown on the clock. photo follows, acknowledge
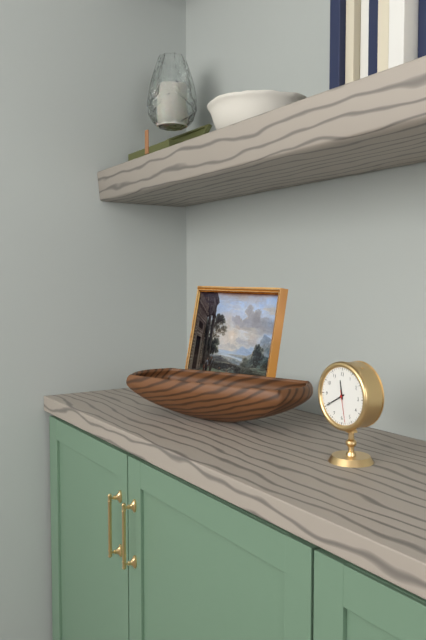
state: 11:40
